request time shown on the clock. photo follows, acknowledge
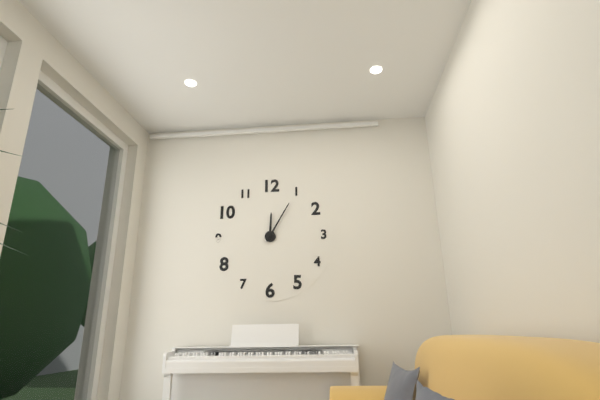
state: 12:05
